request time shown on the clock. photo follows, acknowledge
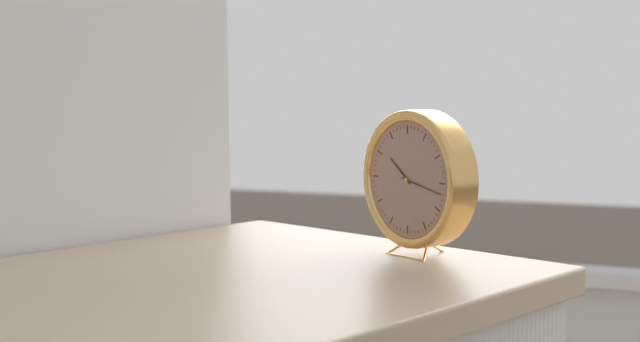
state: 10:17
